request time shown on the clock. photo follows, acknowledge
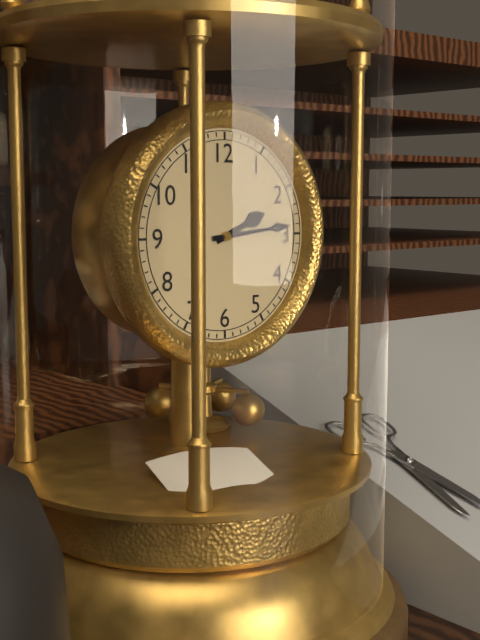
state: 2:14
